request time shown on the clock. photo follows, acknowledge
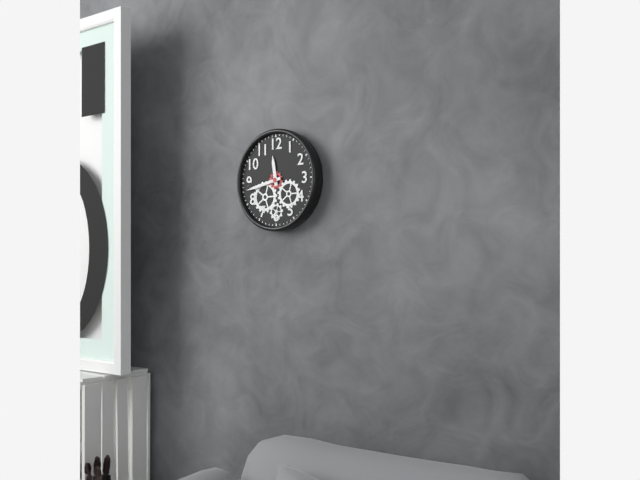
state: 11:43
